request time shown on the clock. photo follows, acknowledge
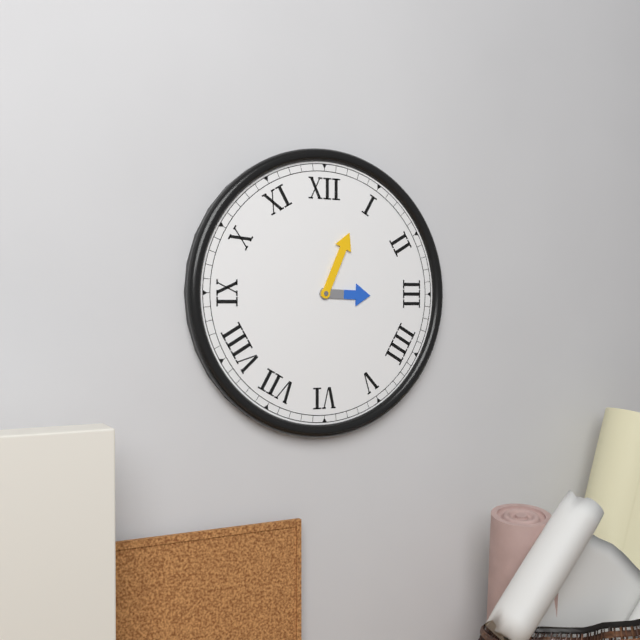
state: 3:04
